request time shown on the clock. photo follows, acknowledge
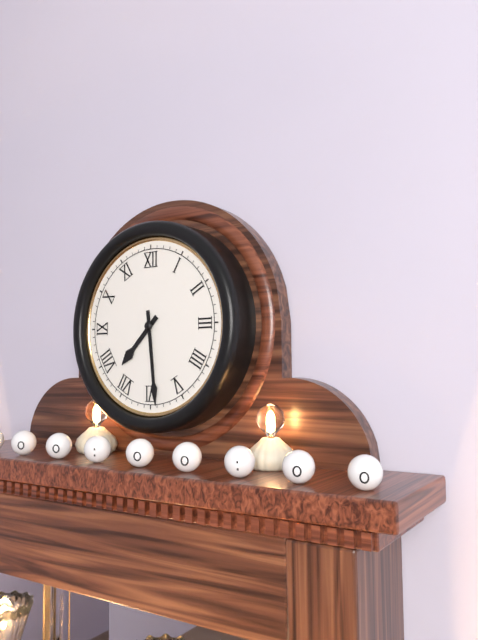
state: 7:29
